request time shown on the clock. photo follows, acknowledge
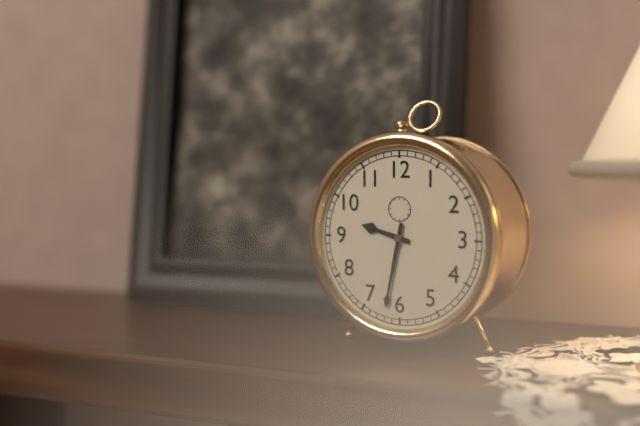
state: 9:32
